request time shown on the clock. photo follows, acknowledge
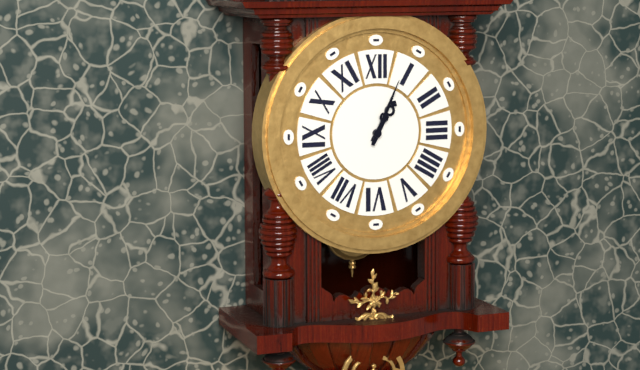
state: 1:04
